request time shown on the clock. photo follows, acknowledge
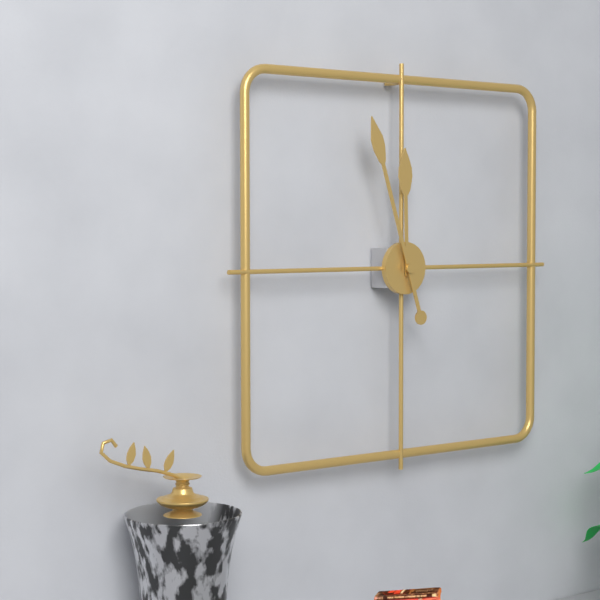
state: 11:57
